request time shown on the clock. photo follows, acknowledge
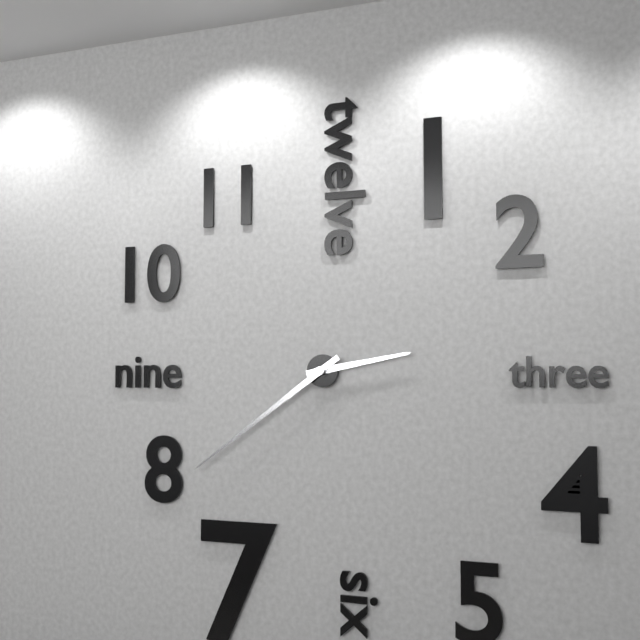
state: 2:39
